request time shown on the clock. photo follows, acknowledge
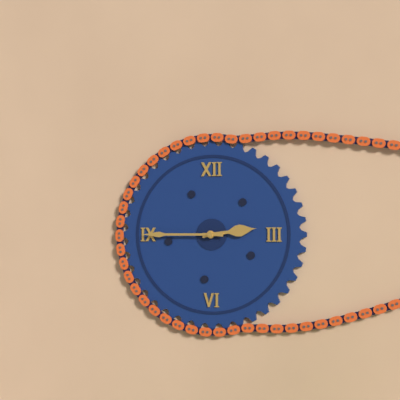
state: 2:45
